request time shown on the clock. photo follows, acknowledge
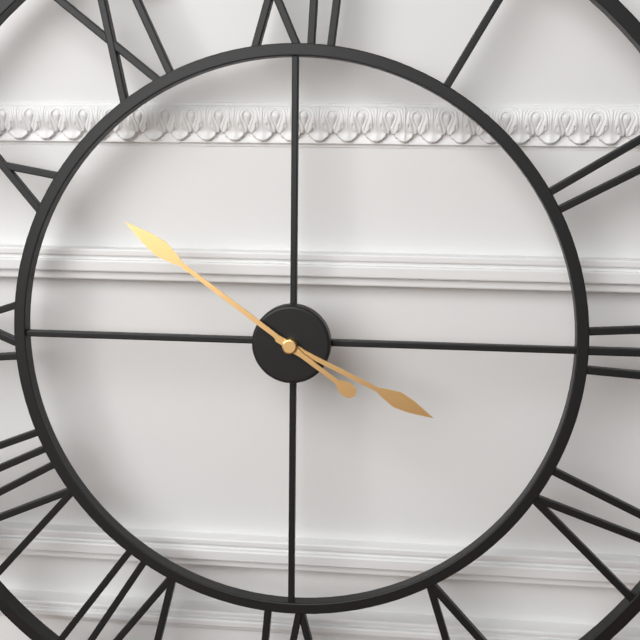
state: 3:51
